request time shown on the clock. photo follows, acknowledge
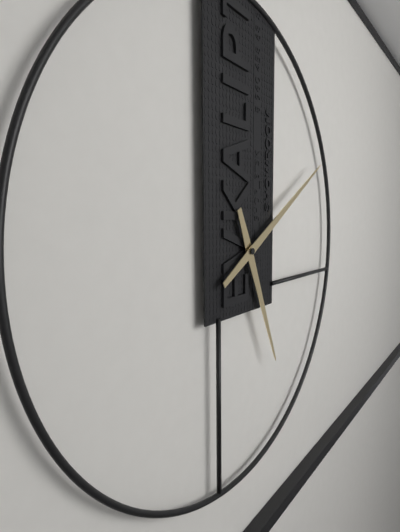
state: 5:10
